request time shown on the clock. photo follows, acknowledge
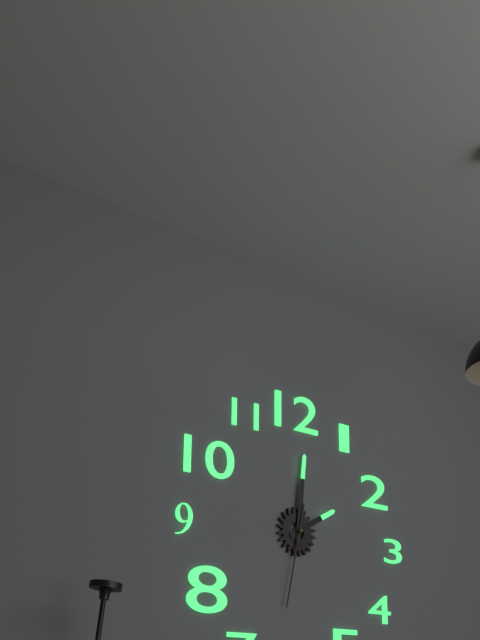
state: 2:01:32
